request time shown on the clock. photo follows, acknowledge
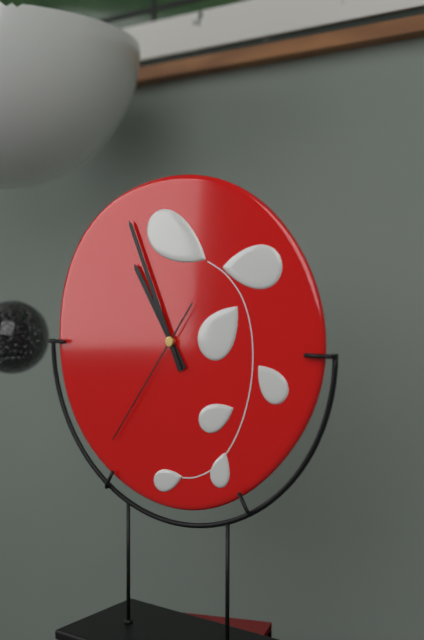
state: 10:56:36
